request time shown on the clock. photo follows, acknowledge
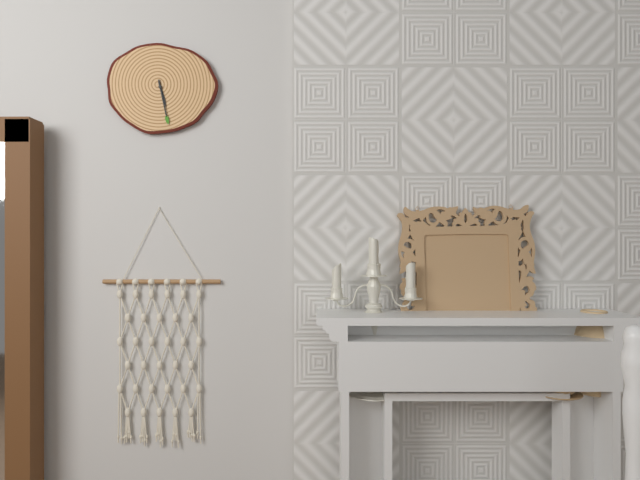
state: 5:28
